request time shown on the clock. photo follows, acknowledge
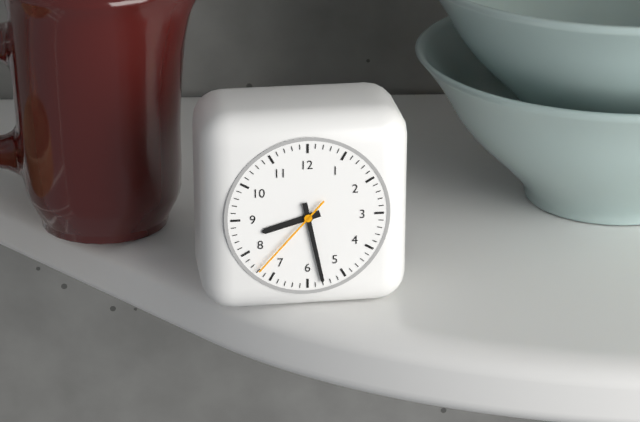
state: 8:28:37
